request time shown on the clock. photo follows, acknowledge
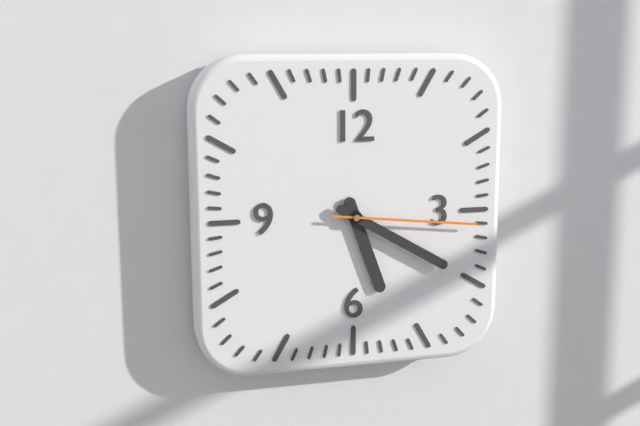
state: 5:20:16
